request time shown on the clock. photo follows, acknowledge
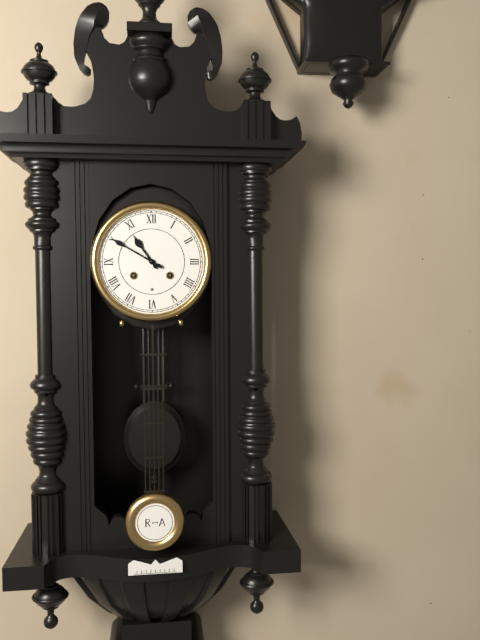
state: 10:50
